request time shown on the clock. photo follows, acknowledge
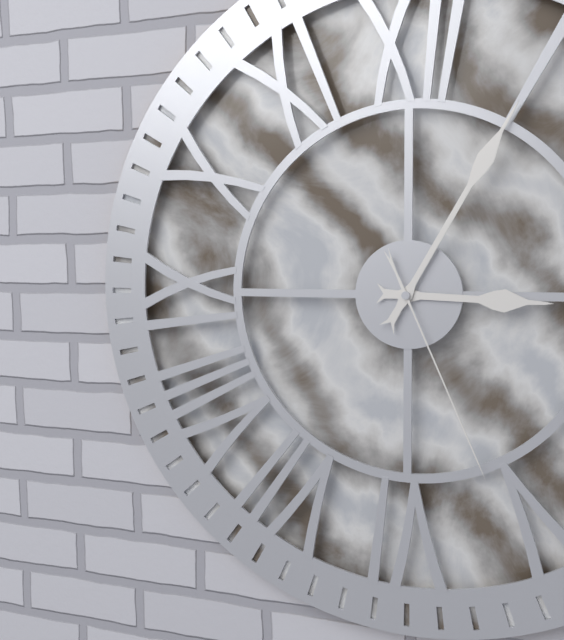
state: 3:05:26
